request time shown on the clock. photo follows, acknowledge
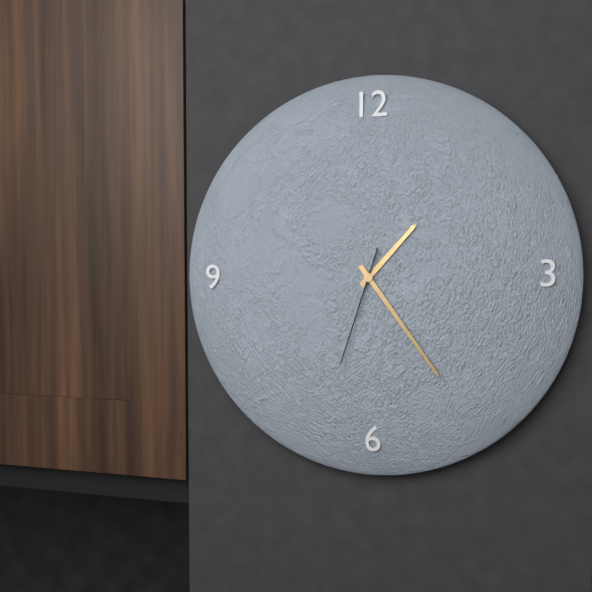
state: 1:24:33
